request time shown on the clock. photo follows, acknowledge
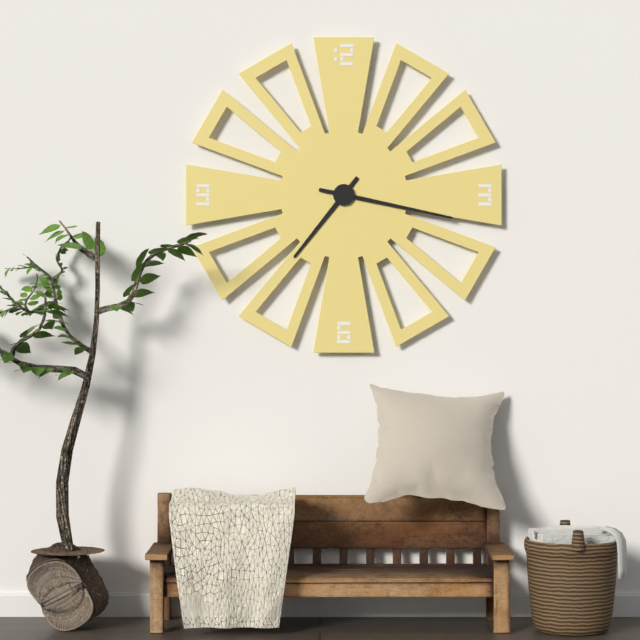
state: 7:17
